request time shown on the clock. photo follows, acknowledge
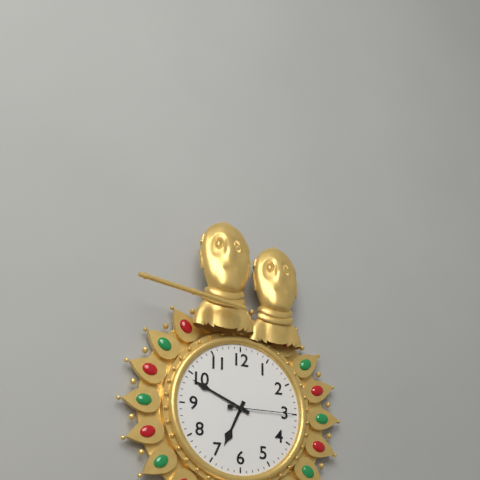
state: 6:49:15
